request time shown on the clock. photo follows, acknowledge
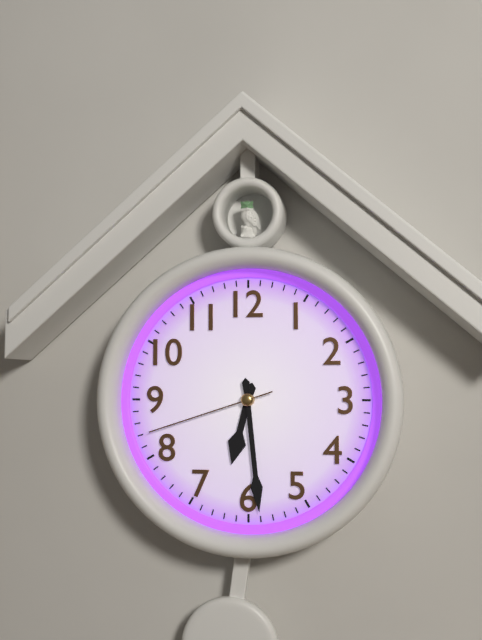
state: 6:29:42
